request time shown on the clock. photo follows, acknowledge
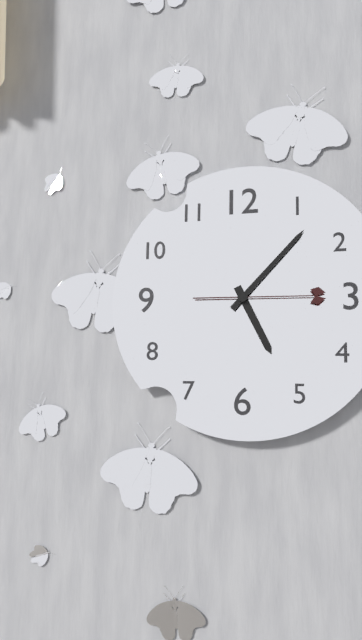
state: 5:07:15
